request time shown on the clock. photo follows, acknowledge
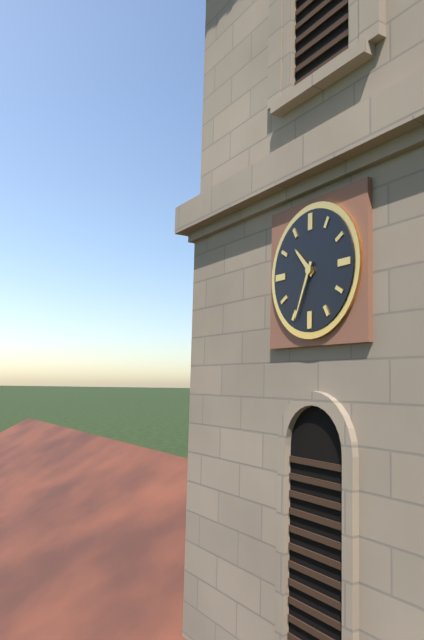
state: 10:34
